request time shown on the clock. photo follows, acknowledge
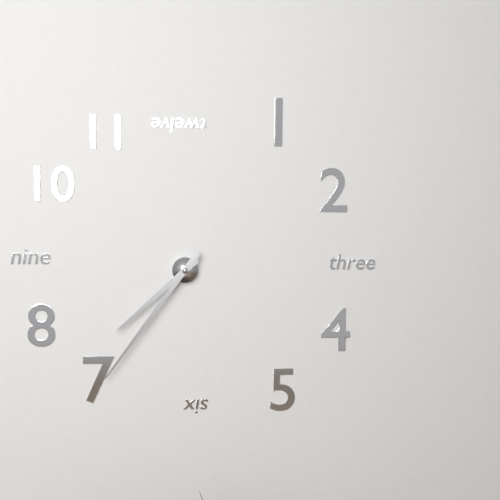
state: 7:36
